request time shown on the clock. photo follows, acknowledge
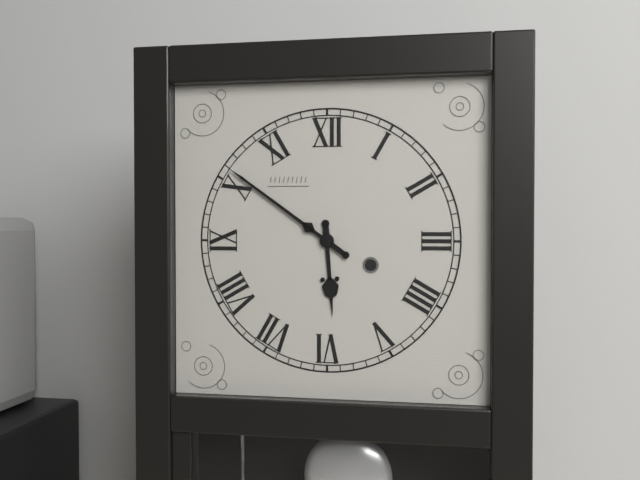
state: 5:51
